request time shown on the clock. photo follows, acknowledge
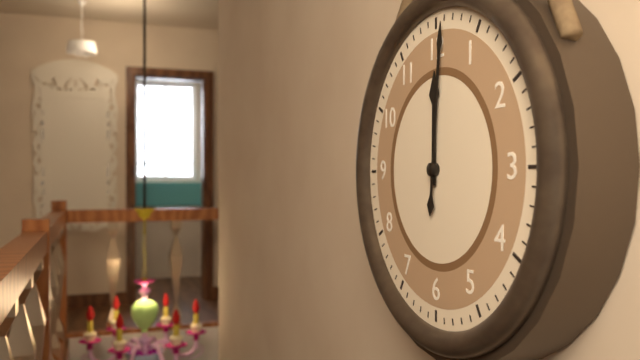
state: 12:01
